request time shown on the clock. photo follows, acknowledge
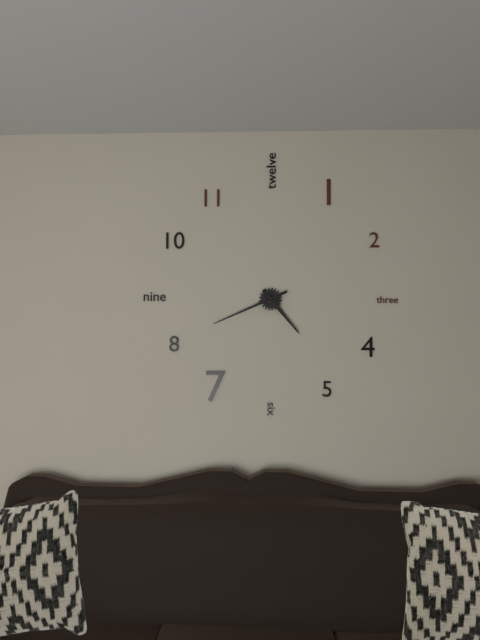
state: 4:41
